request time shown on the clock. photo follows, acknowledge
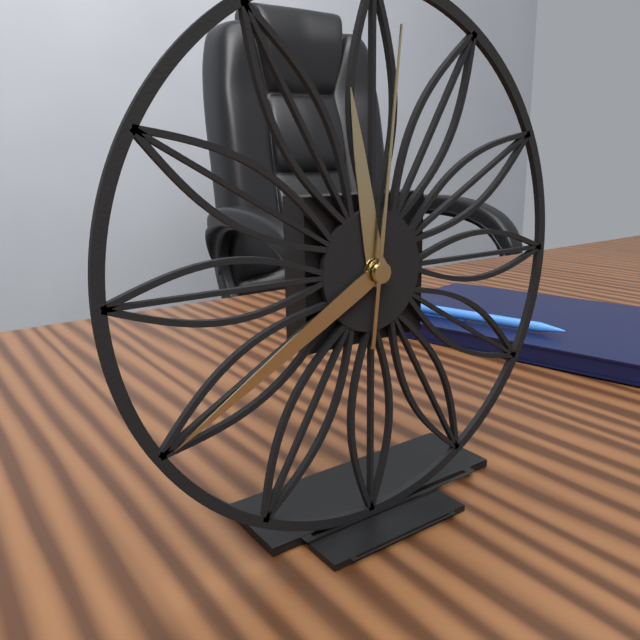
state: 11:40:01
